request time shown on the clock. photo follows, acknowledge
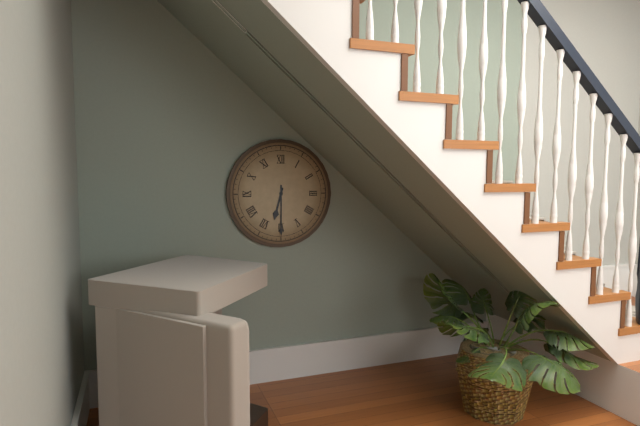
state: 6:30
